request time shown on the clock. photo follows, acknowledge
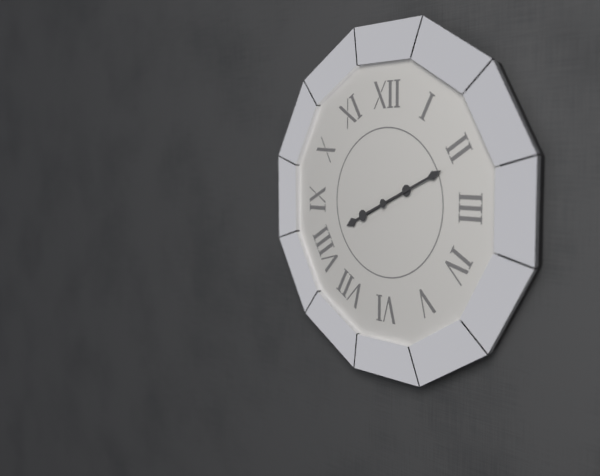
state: 8:11
